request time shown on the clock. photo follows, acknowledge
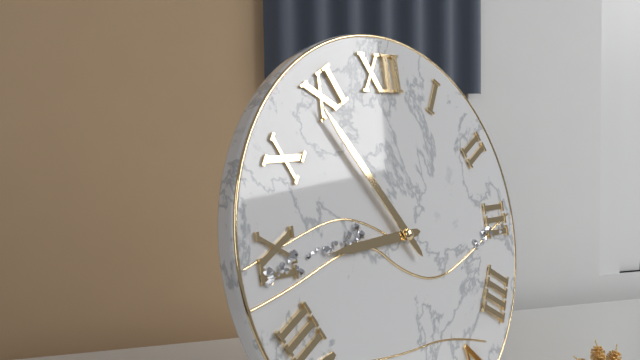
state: 8:54
